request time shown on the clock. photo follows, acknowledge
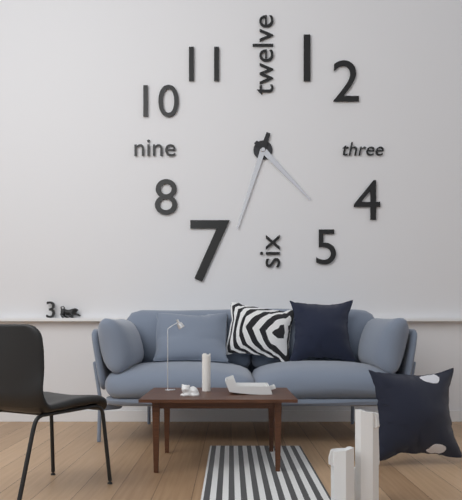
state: 4:33
